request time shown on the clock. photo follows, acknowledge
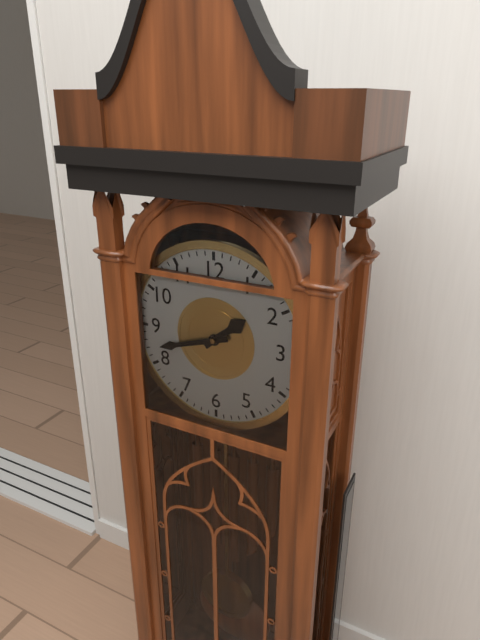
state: 1:42
